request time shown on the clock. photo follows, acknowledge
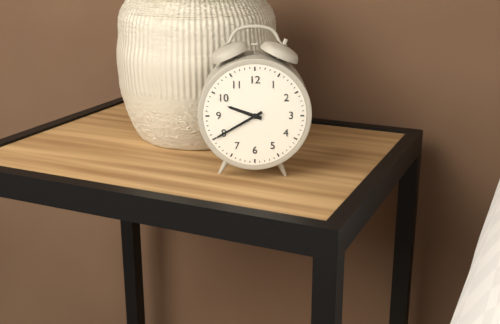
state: 9:40
